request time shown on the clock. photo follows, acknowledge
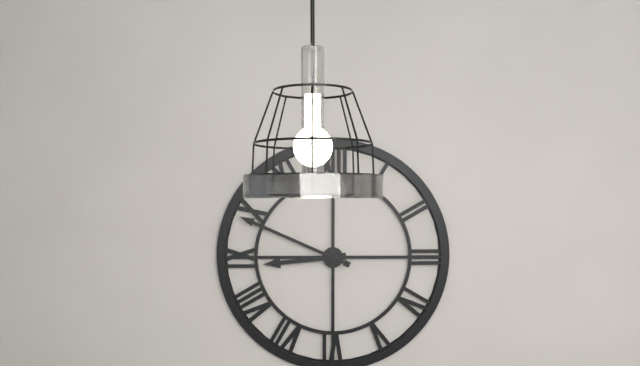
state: 8:49
